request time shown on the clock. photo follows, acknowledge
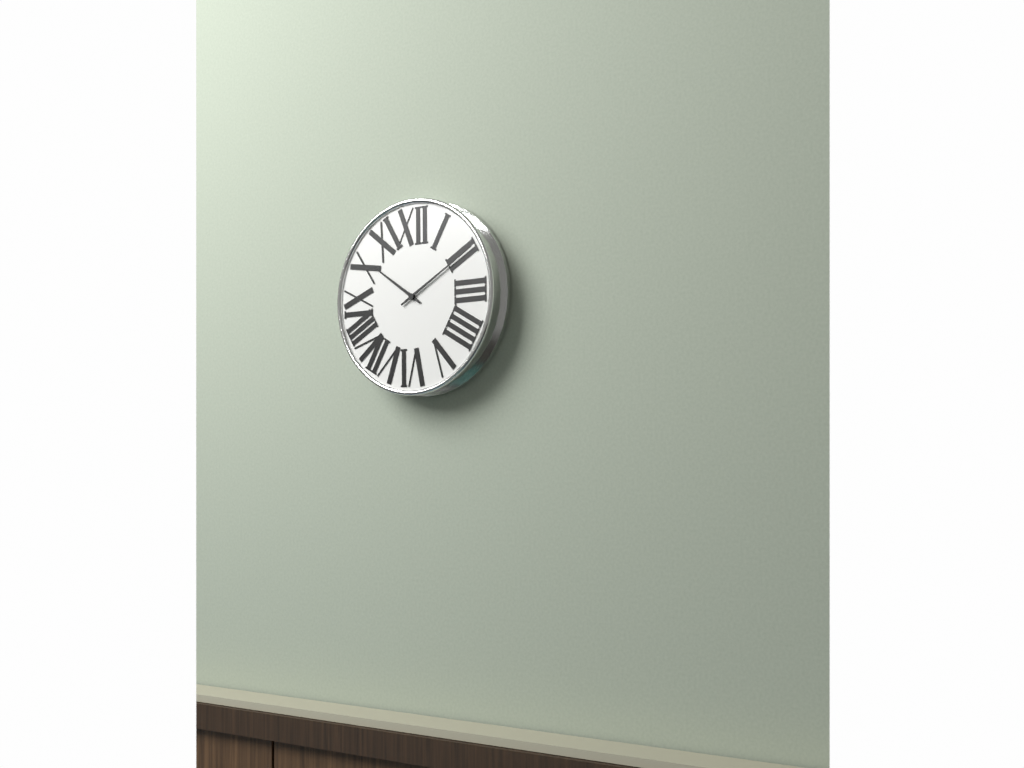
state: 10:10
